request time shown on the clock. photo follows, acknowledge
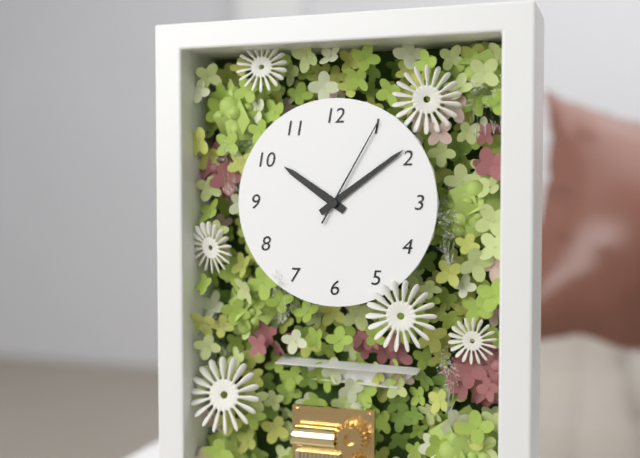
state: 10:09:05
